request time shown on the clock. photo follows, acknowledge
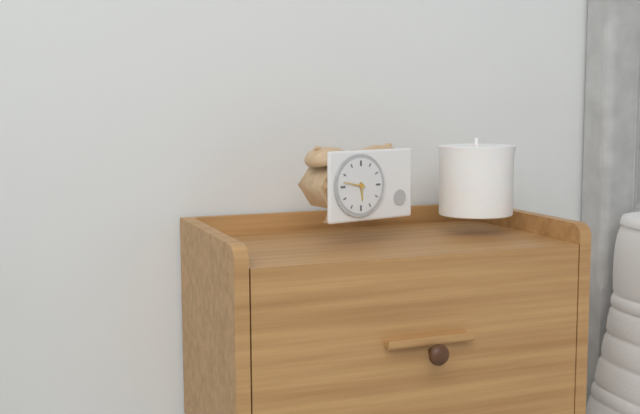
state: 5:47
